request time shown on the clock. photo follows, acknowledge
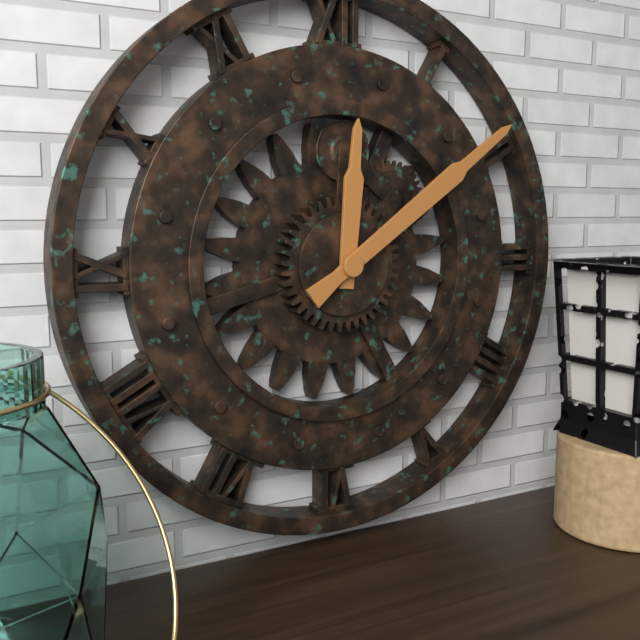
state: 12:09
